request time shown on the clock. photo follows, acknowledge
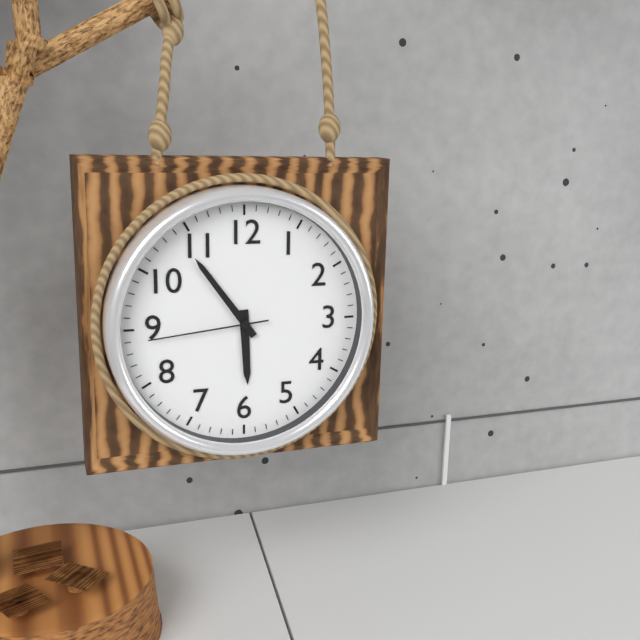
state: 5:54:44
